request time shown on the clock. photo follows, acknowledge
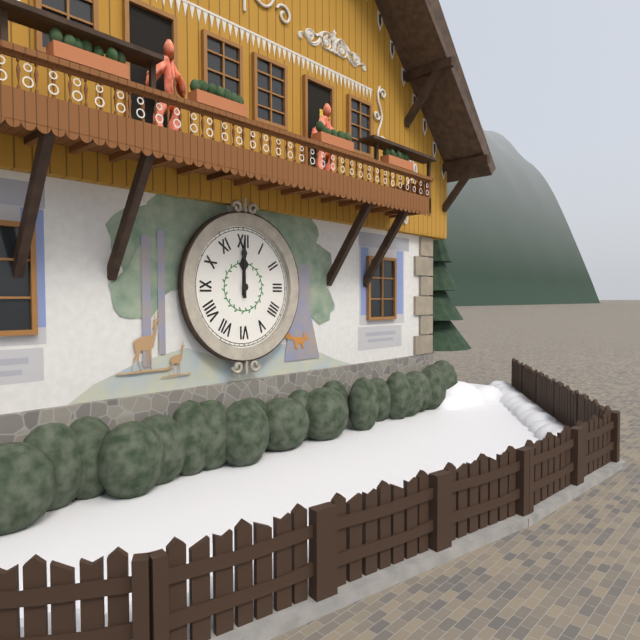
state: 12:00
